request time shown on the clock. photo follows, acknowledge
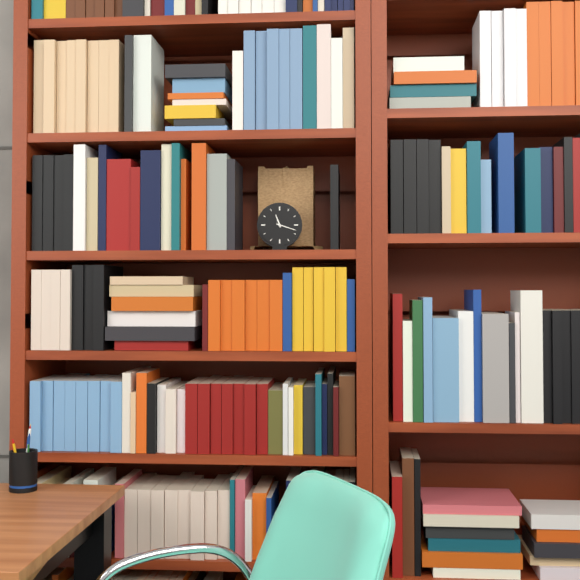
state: 11:18
